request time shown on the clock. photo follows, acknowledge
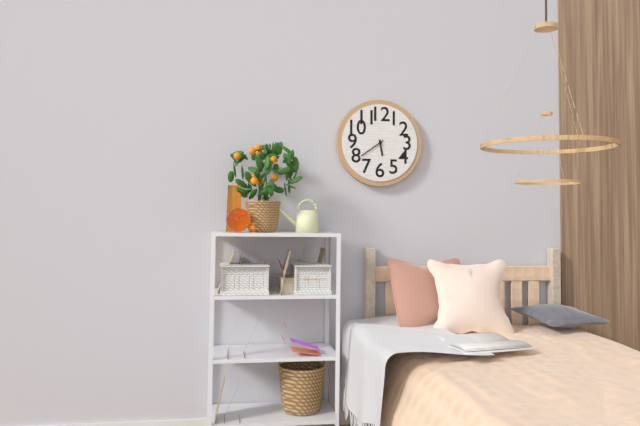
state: 5:39
